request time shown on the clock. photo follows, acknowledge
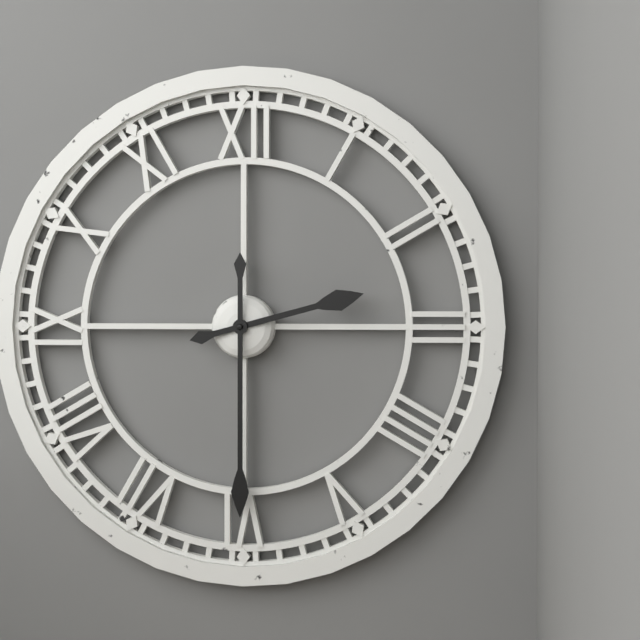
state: 2:30
